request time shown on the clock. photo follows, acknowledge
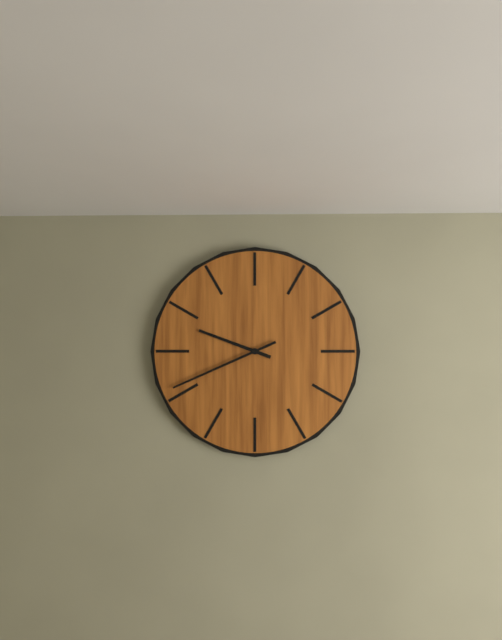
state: 9:41
